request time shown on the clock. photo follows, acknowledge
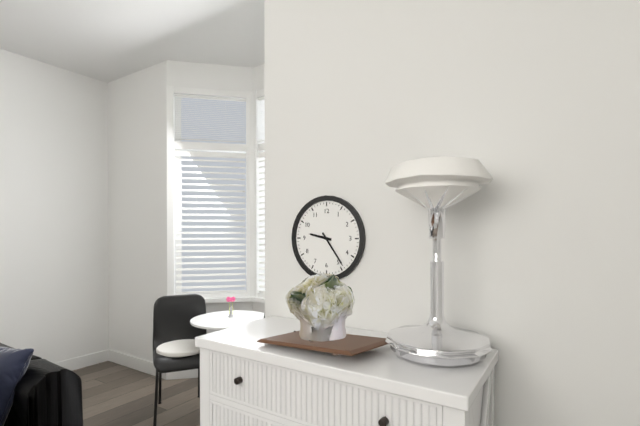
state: 9:24
